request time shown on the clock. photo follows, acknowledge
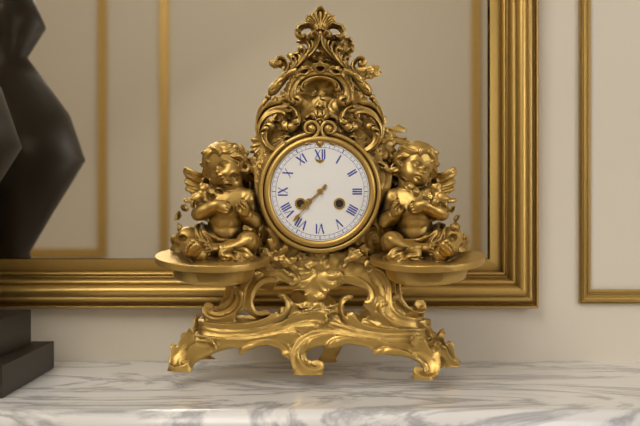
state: 7:37
